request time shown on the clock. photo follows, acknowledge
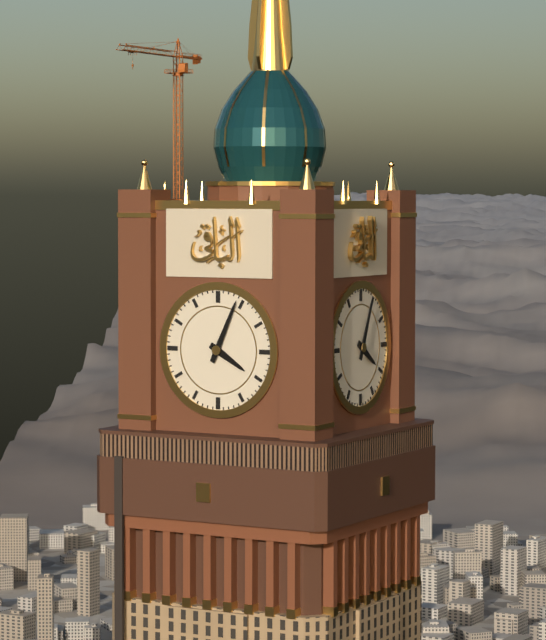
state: 4:04
